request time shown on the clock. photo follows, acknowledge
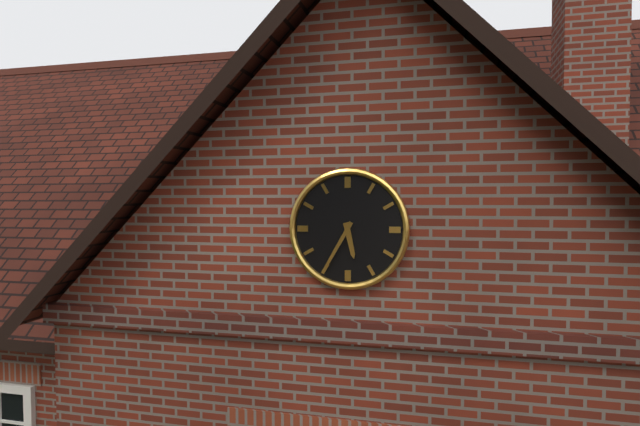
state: 5:35
